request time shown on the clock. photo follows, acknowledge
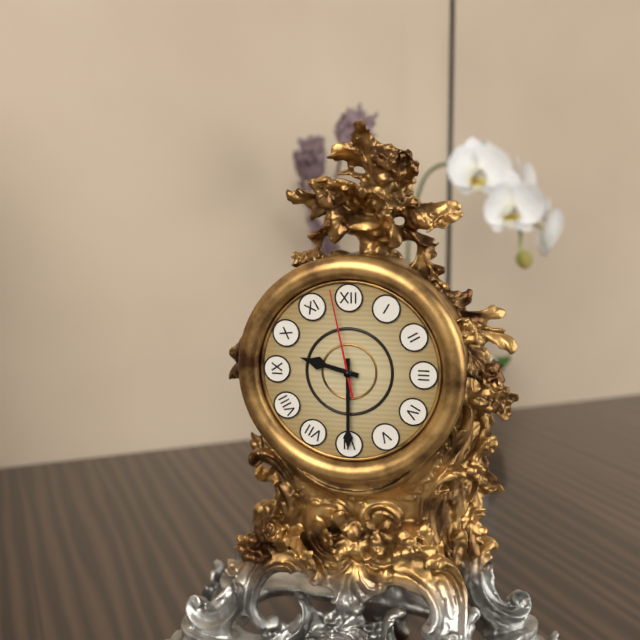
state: 9:30:58
